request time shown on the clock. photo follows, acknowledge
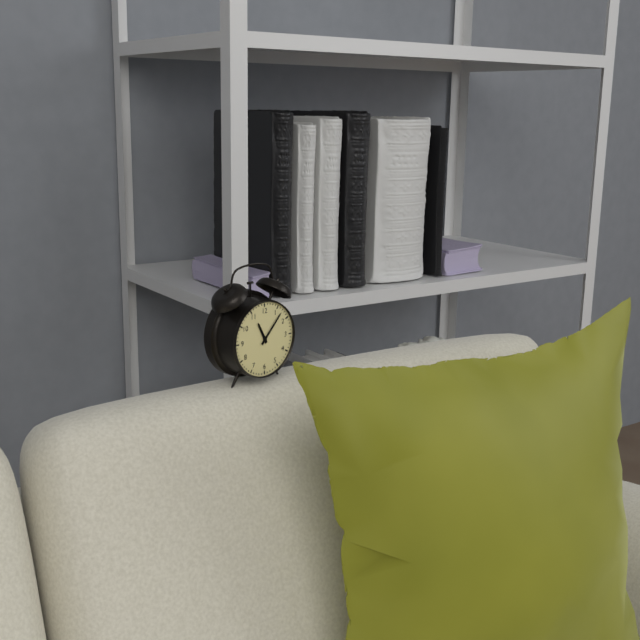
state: 11:07
